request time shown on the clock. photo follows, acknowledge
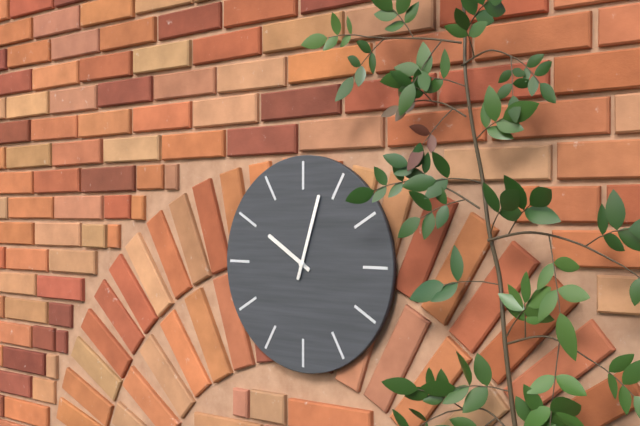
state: 10:03
